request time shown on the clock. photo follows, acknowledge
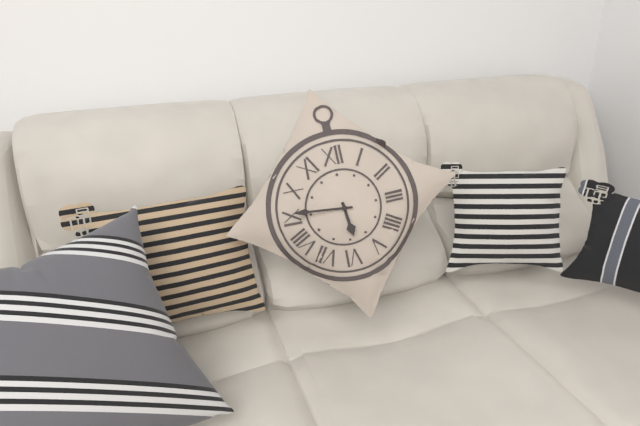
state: 5:46
